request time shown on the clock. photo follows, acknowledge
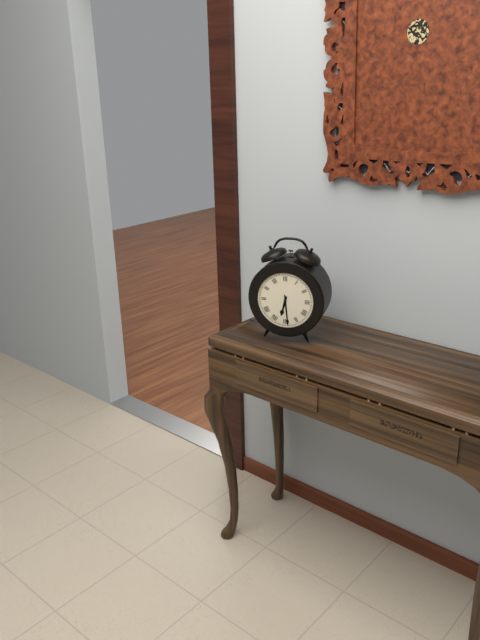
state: 6:29
